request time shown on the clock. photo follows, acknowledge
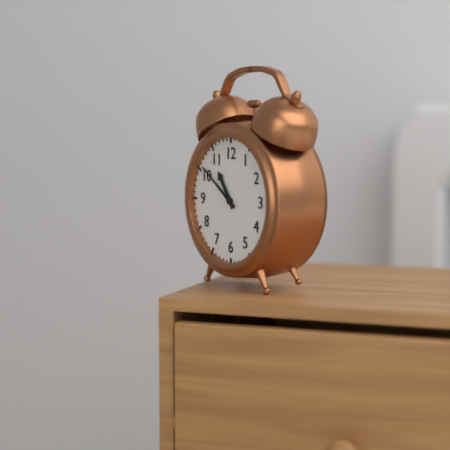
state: 10:51
